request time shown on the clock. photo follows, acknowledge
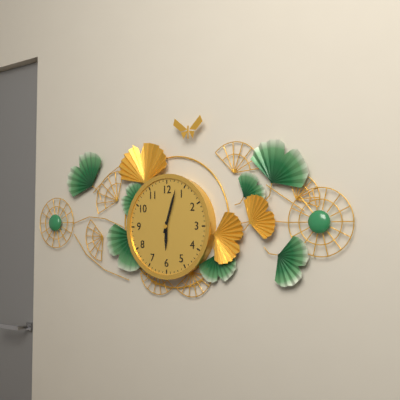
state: 6:03
